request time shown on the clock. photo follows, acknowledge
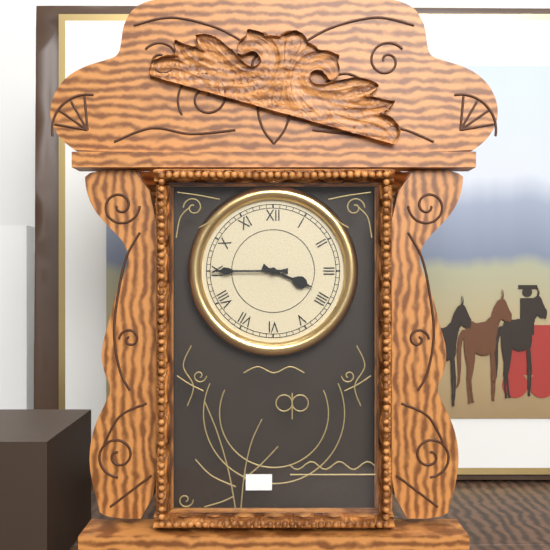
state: 3:45
